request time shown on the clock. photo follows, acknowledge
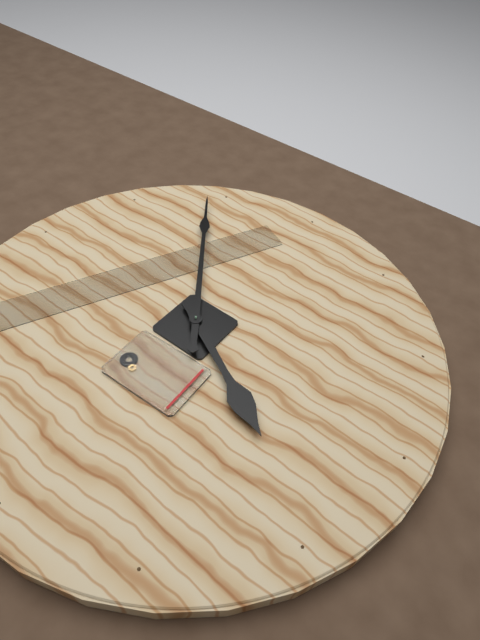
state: 3:54
